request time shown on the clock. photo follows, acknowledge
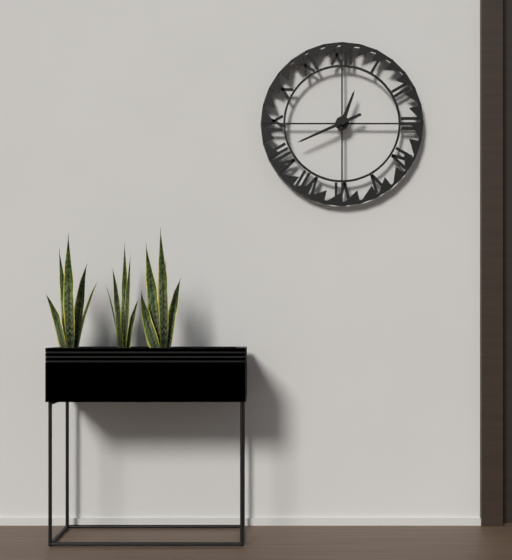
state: 12:41
